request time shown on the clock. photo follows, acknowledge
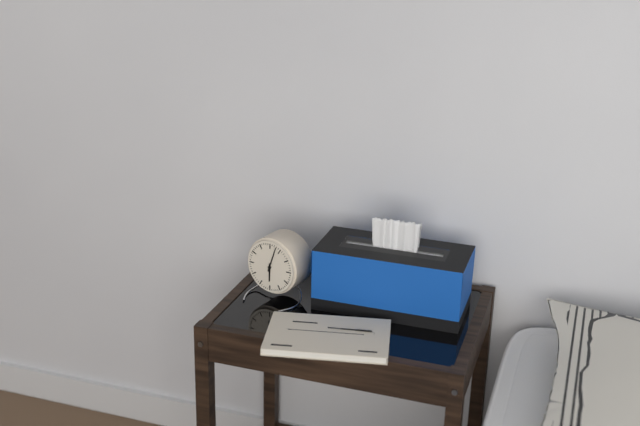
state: 6:03
